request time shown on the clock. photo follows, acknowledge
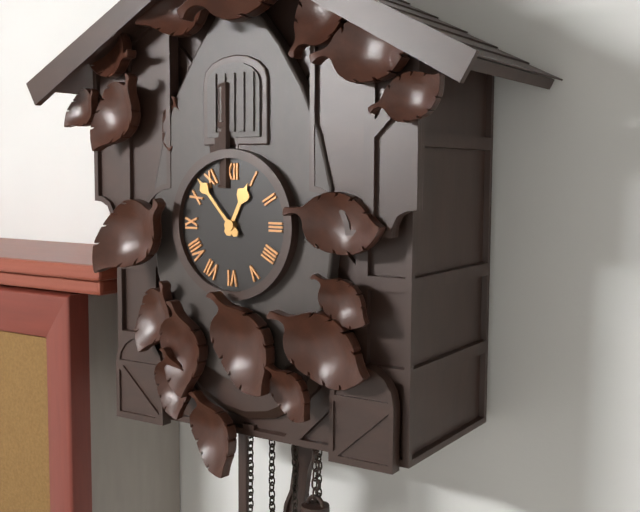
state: 12:53
